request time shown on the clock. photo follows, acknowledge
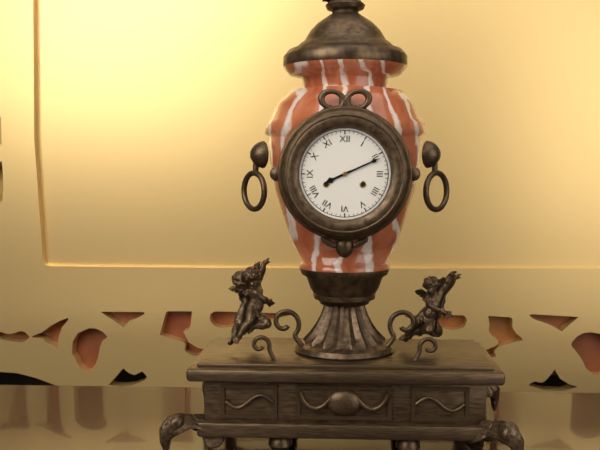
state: 8:11
